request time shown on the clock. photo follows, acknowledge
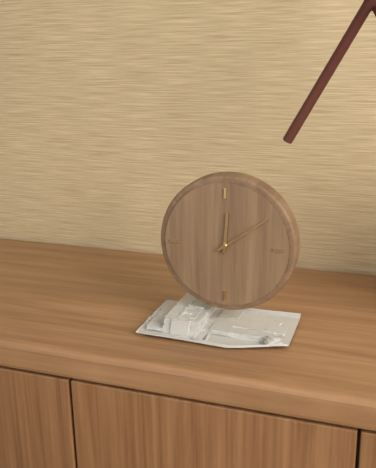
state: 12:09
